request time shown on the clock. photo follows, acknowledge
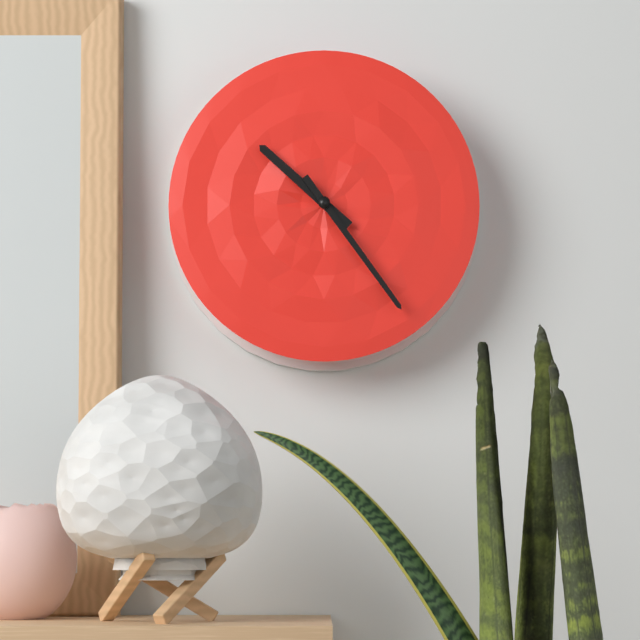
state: 10:24
